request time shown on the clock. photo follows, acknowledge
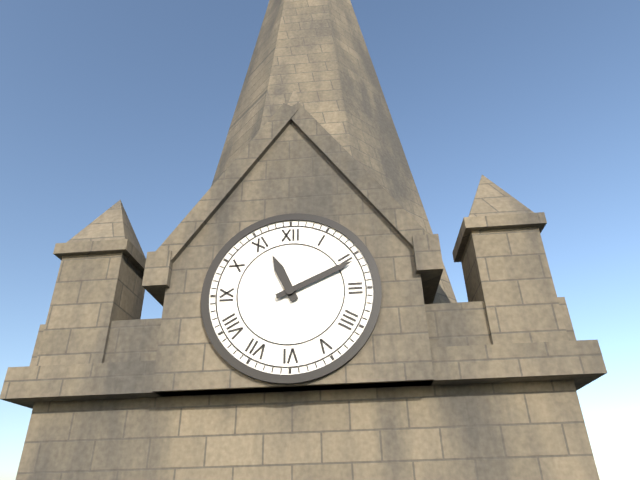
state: 11:11
